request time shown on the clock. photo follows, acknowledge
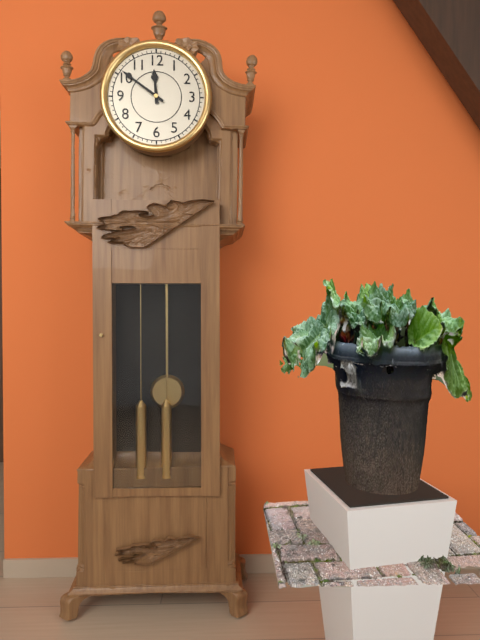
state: 11:51
